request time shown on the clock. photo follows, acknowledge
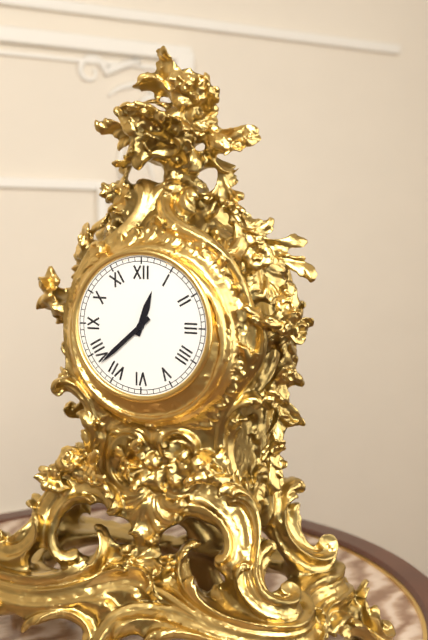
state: 12:38
